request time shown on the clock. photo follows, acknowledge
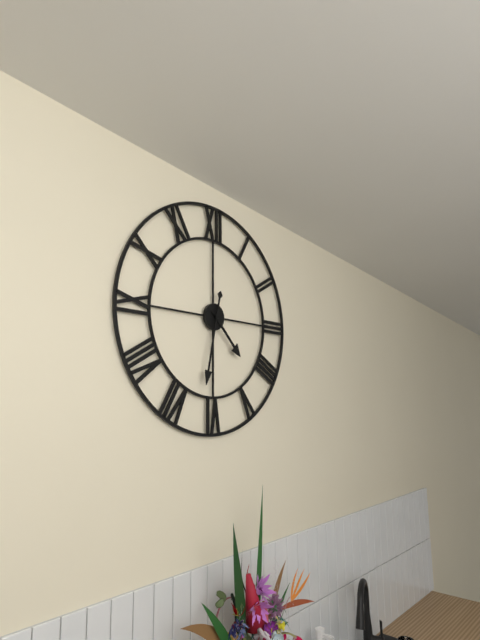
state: 4:32
